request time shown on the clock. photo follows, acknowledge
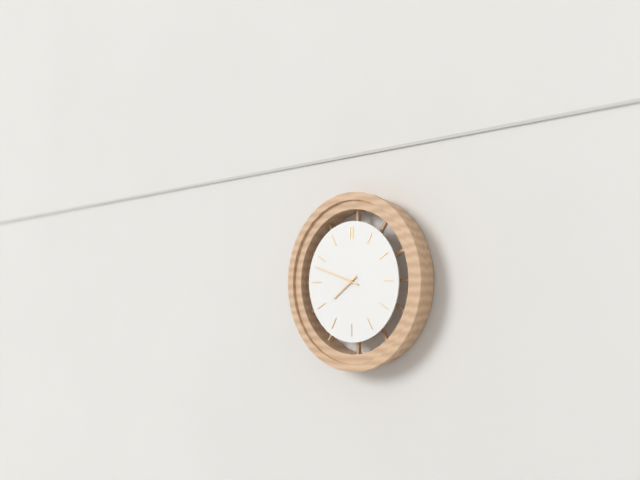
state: 7:48
